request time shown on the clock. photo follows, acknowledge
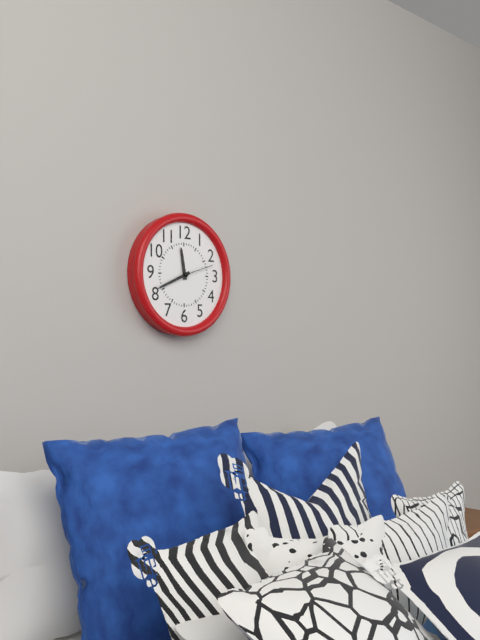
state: 11:41
